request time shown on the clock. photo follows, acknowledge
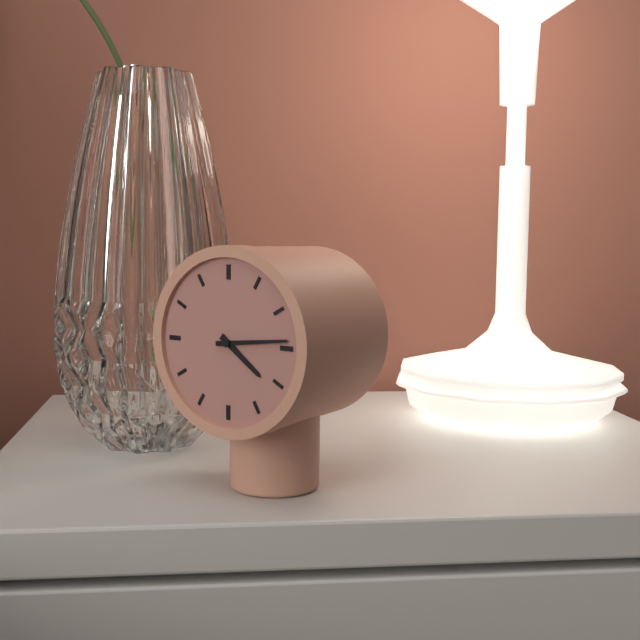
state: 4:14
